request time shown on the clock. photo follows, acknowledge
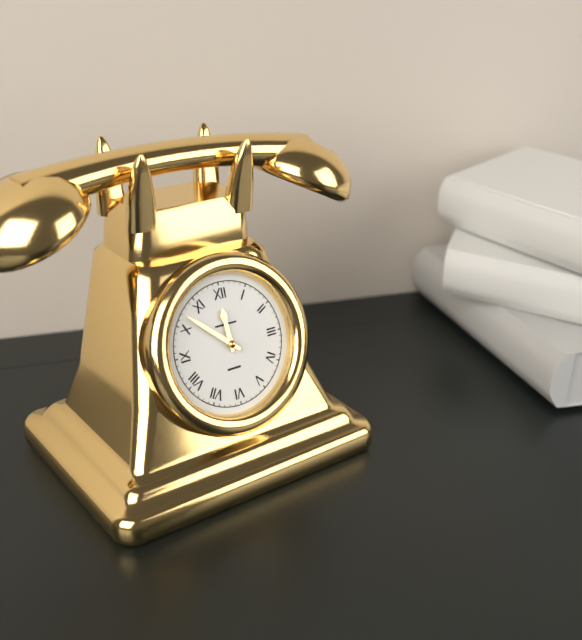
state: 11:52
